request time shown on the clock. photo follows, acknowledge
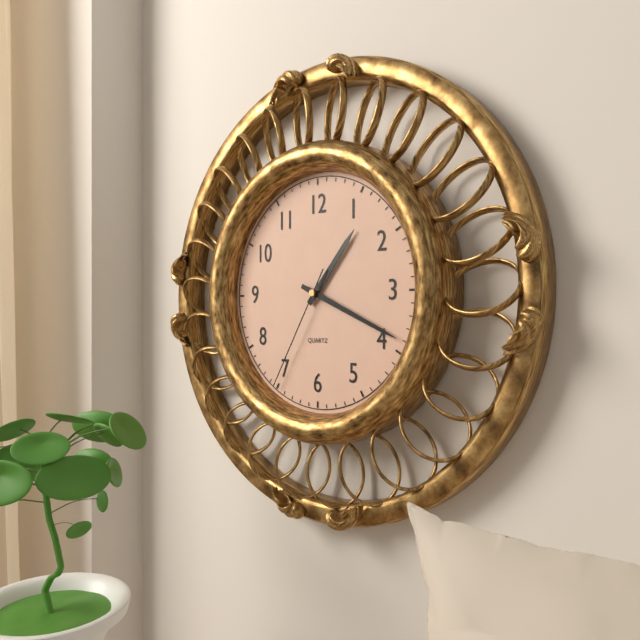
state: 1:19:35
